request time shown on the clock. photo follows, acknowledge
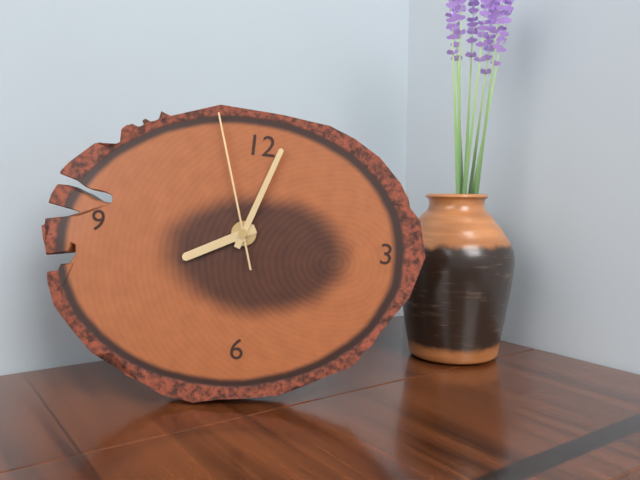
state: 8:03:57
